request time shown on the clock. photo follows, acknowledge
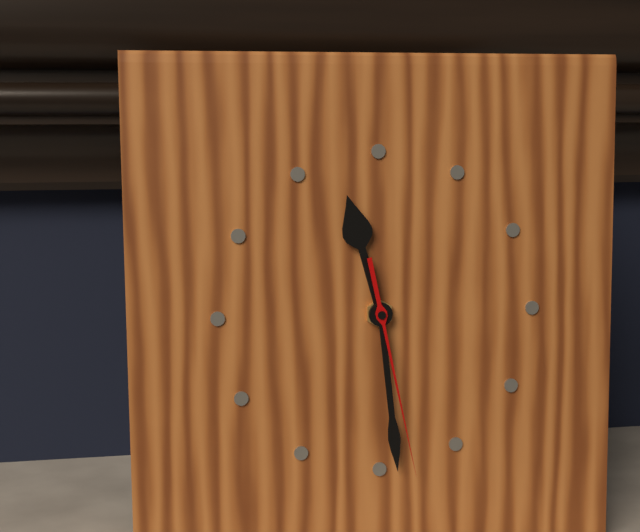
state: 11:29:28
